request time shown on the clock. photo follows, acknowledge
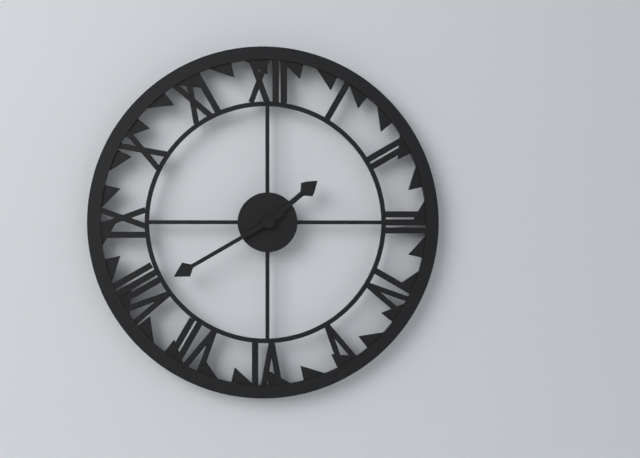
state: 1:40
